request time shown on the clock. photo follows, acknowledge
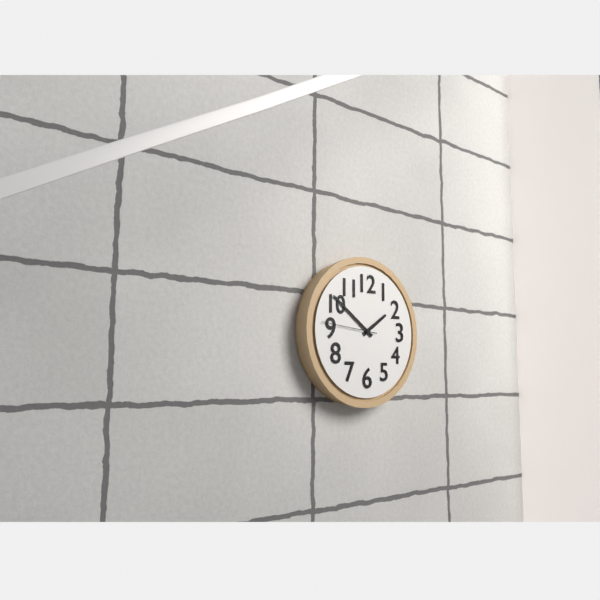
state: 1:51:46
